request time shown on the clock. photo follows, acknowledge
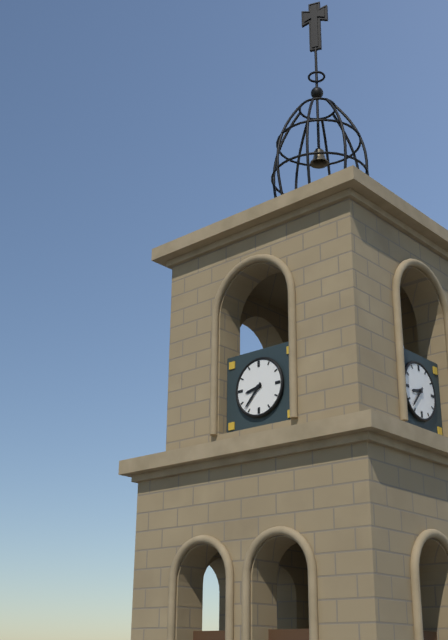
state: 8:37
